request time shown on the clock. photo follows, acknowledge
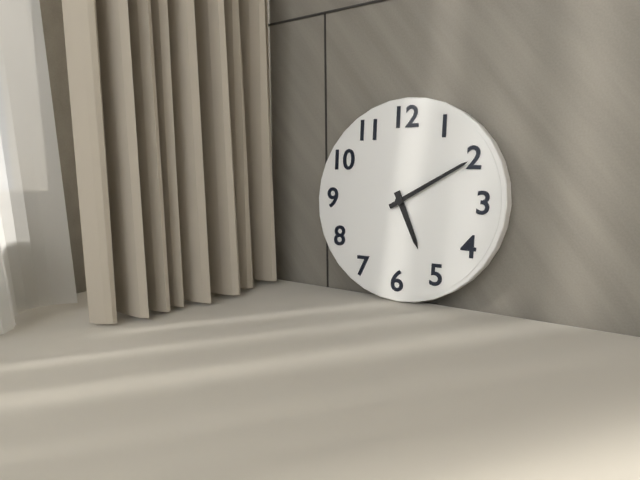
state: 5:10
